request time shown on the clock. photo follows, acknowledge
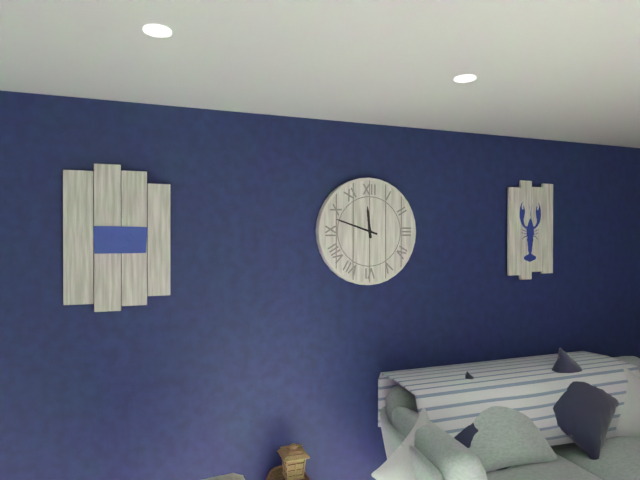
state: 11:48
